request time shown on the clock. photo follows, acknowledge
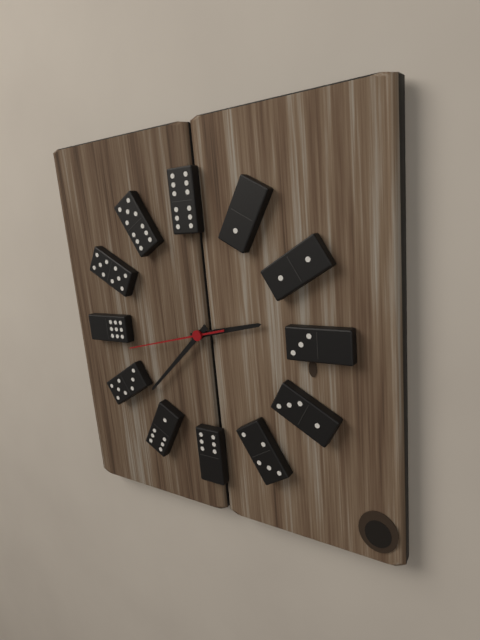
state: 2:38:43
